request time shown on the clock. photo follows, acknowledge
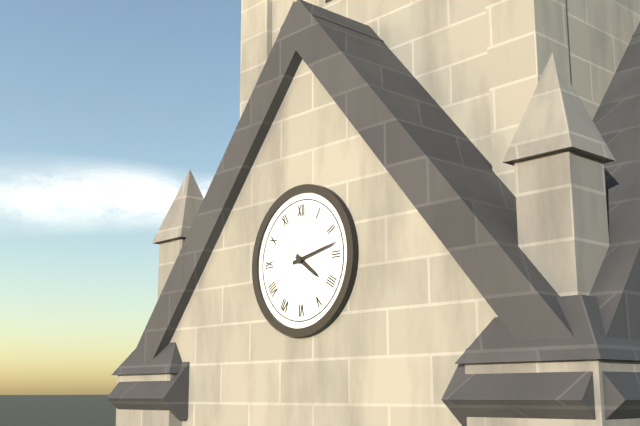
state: 4:13
